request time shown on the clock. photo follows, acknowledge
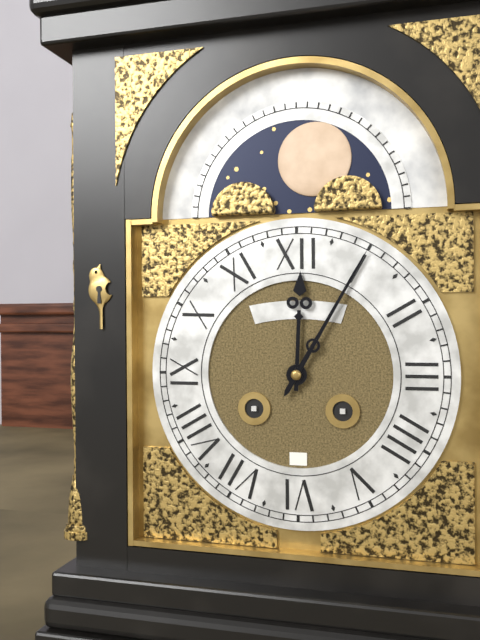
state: 12:05
